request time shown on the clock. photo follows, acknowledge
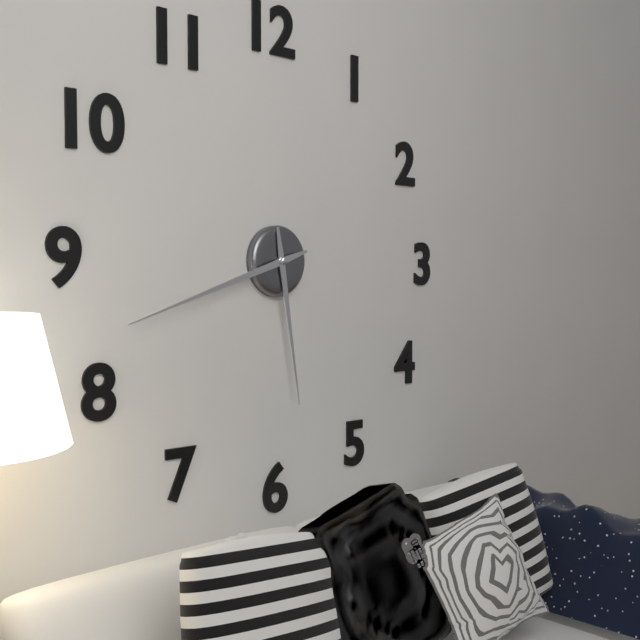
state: 5:42
